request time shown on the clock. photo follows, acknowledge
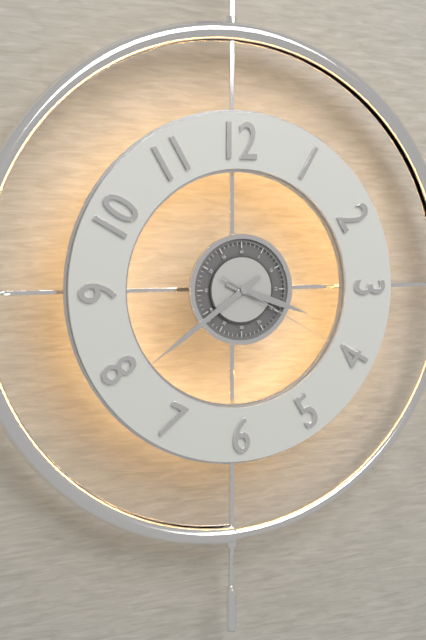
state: 3:39:20
